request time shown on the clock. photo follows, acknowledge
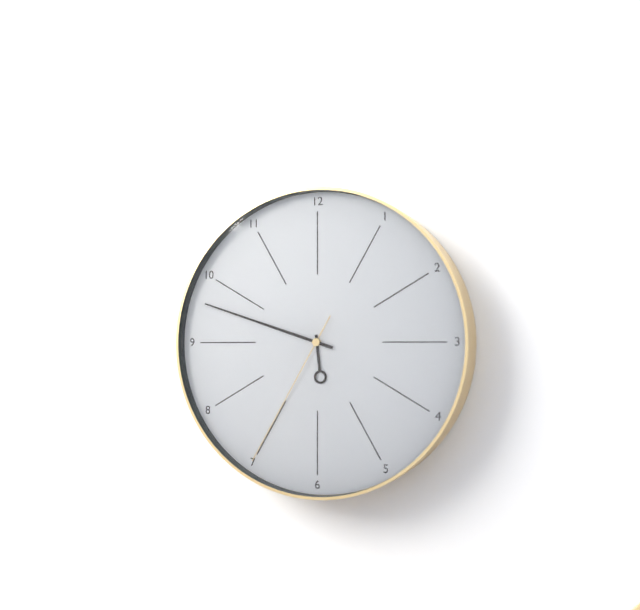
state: 5:48:35
